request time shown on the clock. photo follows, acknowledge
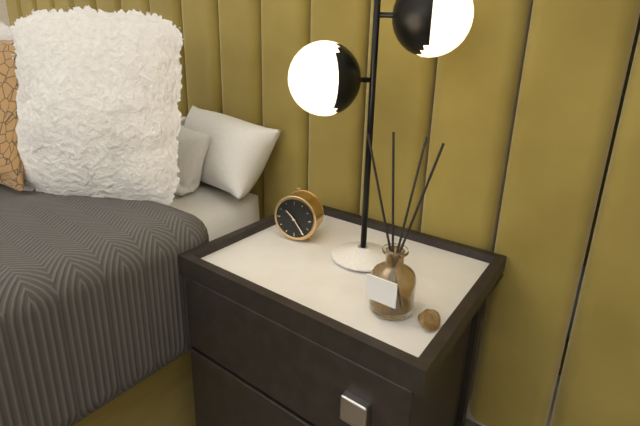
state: 10:24
